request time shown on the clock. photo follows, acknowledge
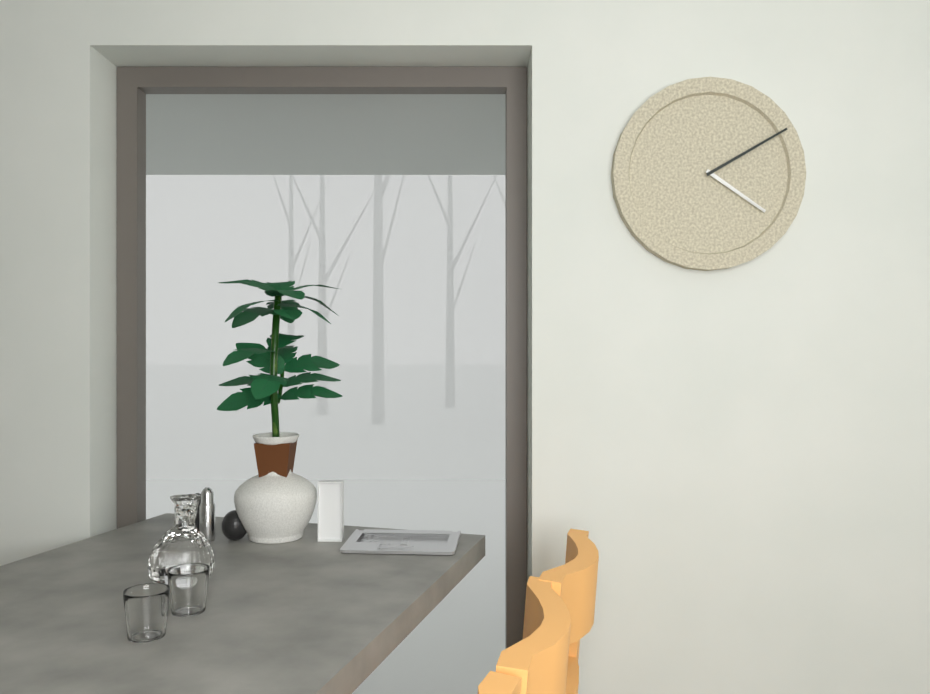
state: 4:10
